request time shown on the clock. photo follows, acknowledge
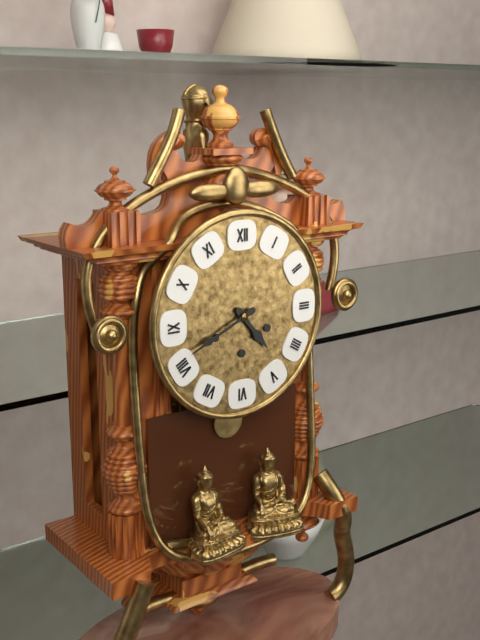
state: 4:41
